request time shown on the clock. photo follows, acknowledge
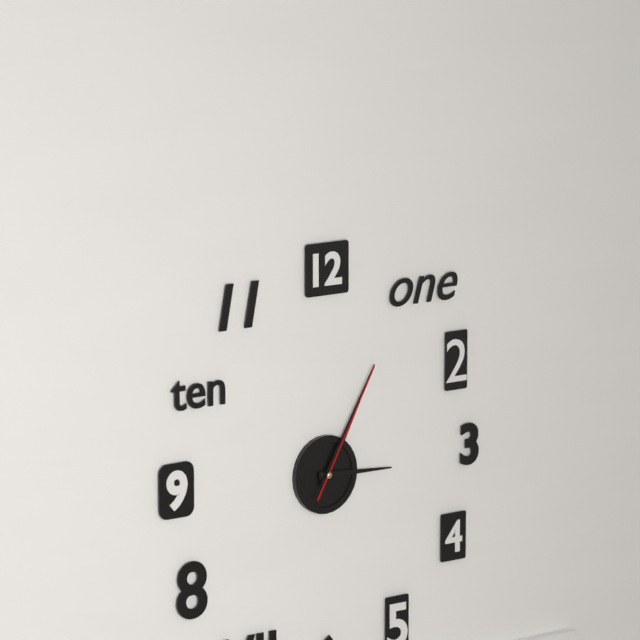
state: 3:05:05
